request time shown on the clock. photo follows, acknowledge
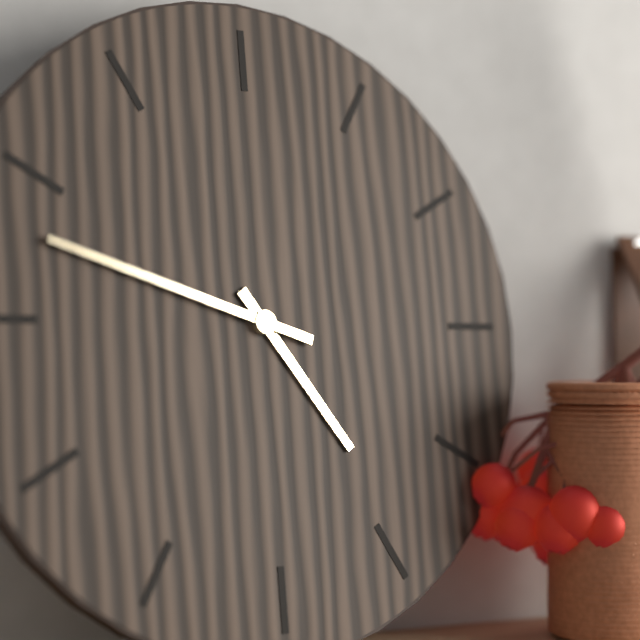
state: 4:48
